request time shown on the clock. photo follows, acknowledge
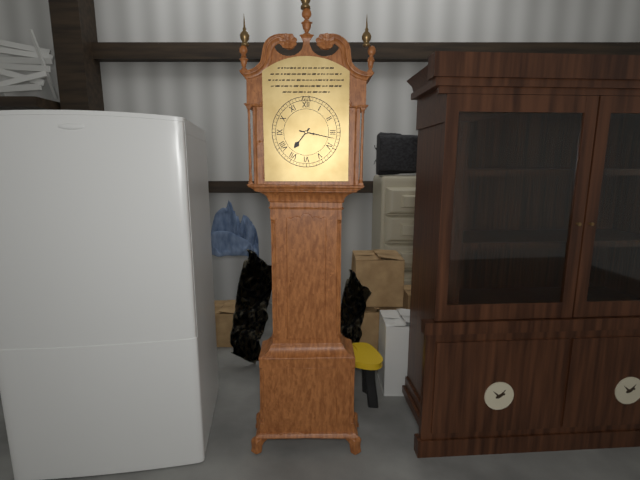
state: 7:17
